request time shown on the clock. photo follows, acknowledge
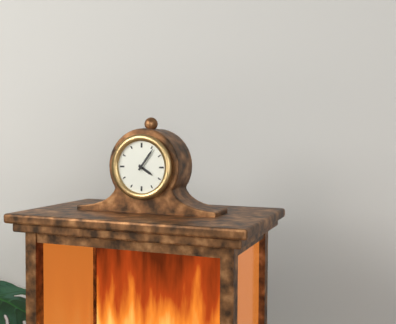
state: 4:06
